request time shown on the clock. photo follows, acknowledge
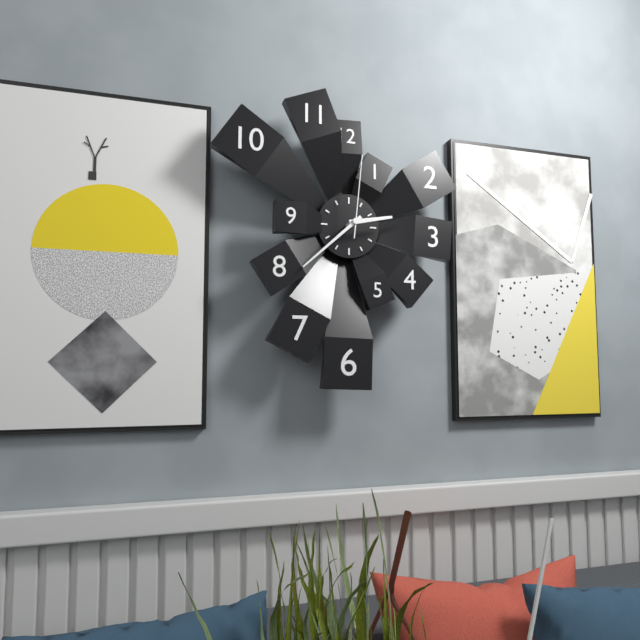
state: 2:38:01
